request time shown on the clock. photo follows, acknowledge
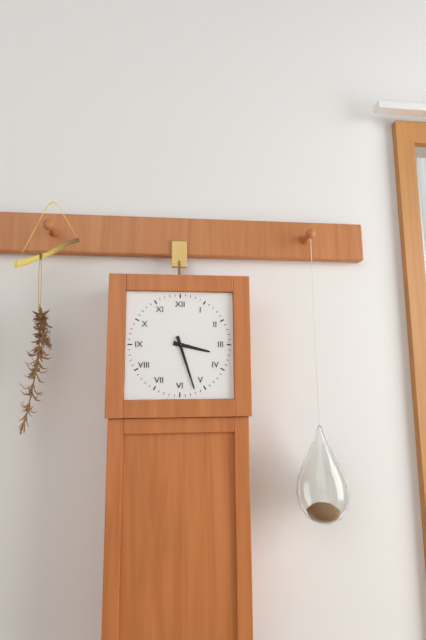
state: 3:27
